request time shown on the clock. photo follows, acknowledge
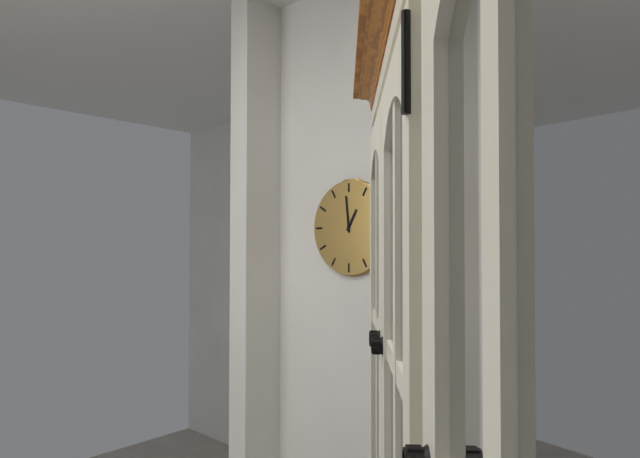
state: 12:59
